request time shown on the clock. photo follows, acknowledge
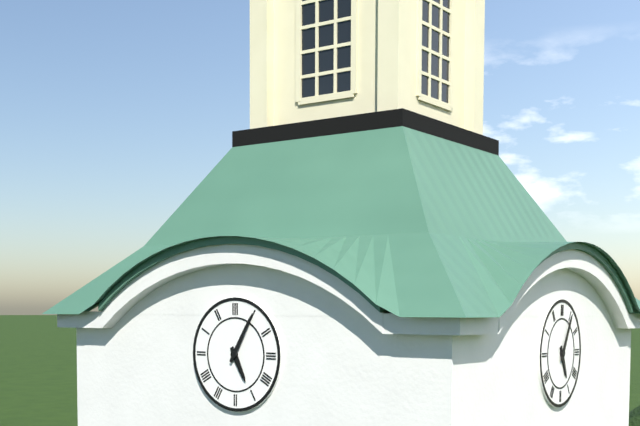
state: 5:05
